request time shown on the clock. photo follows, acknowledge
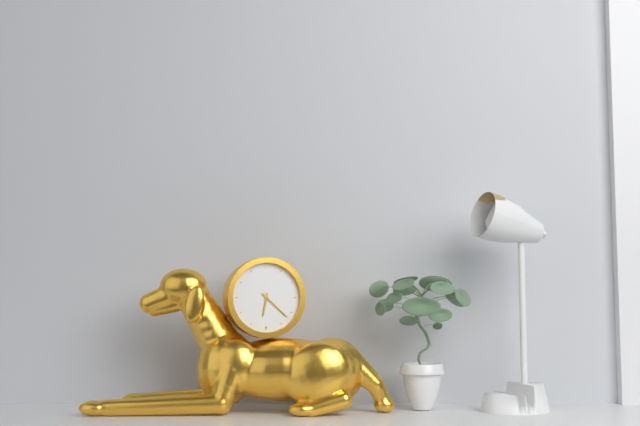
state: 6:22
